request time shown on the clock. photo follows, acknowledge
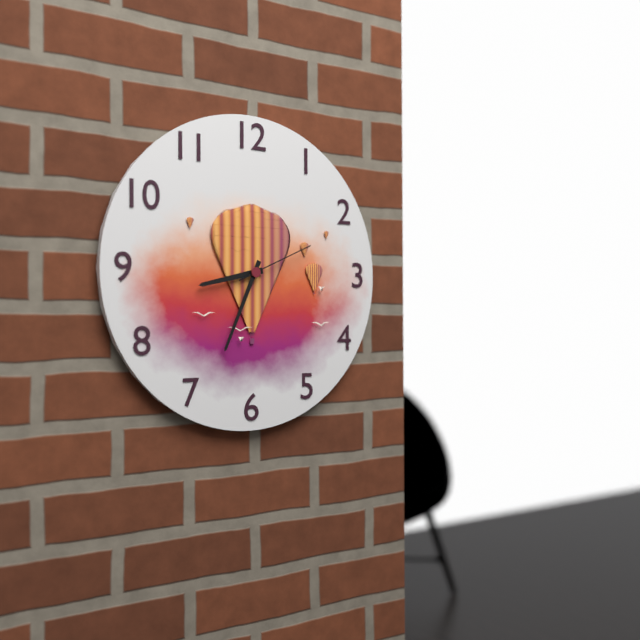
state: 8:34:11
